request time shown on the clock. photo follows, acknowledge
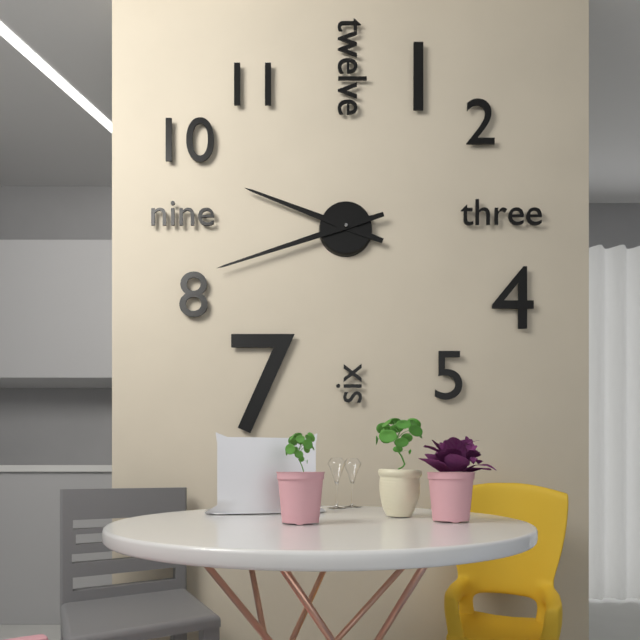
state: 9:42
